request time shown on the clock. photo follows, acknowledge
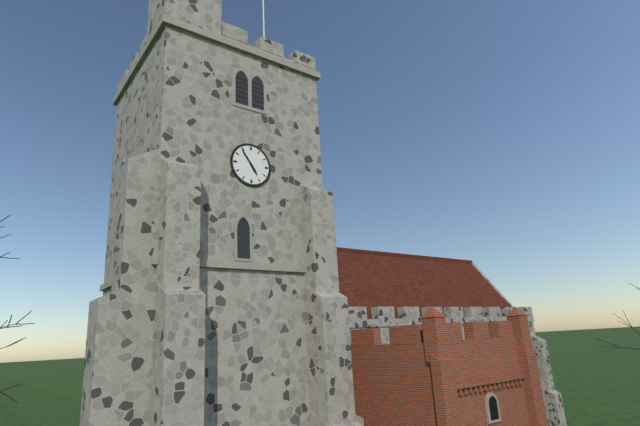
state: 4:54
